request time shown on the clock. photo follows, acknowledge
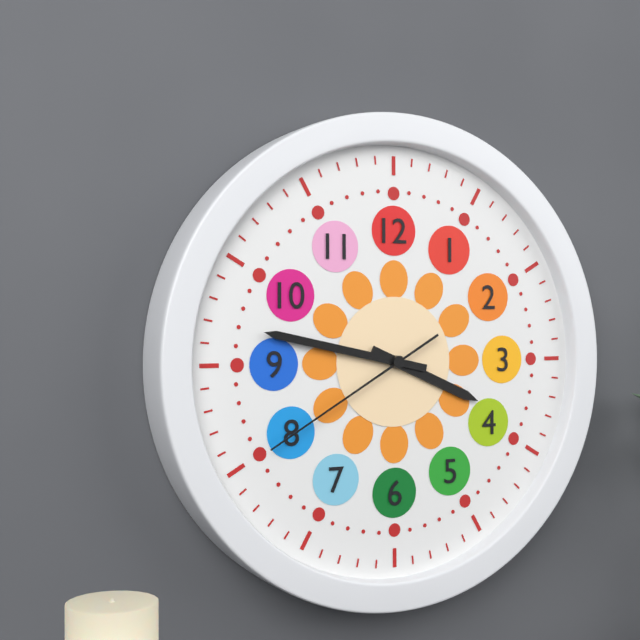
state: 3:47:40
